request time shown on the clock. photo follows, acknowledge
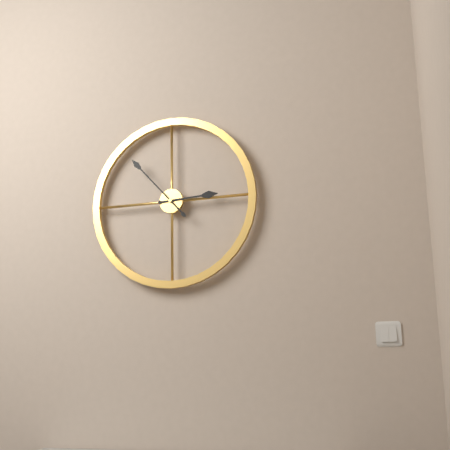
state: 2:53
